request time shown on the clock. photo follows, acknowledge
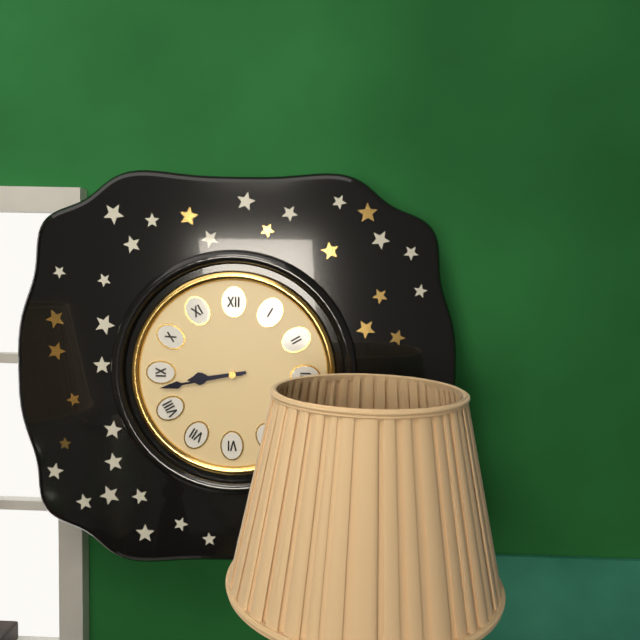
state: 8:43
